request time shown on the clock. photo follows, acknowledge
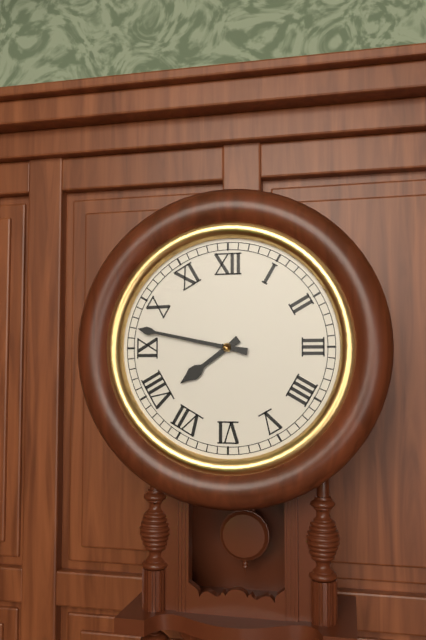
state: 7:47
